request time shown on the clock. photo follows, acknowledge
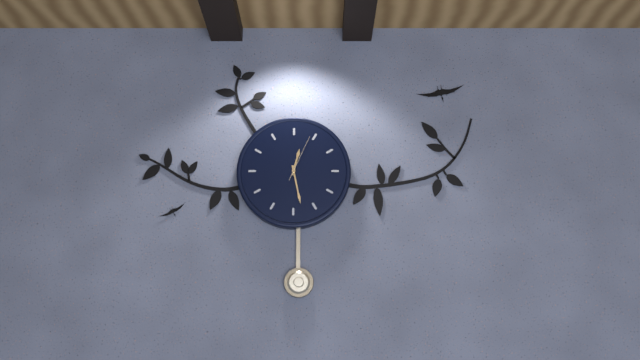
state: 12:28
